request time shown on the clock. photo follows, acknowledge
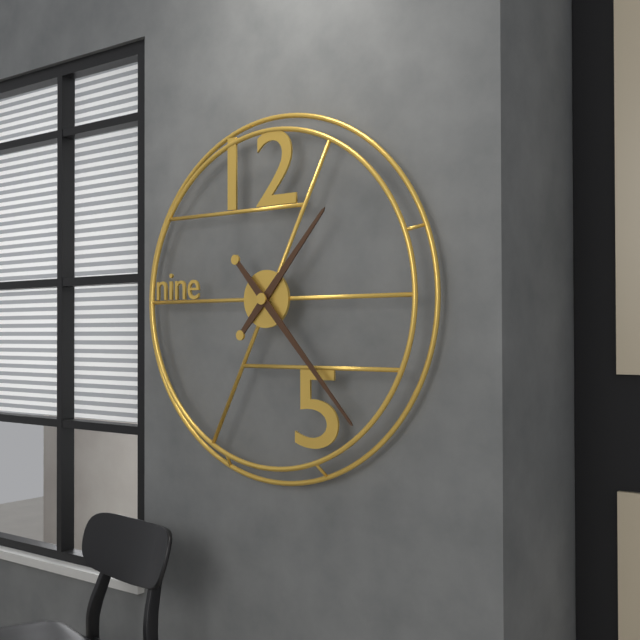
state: 1:23
